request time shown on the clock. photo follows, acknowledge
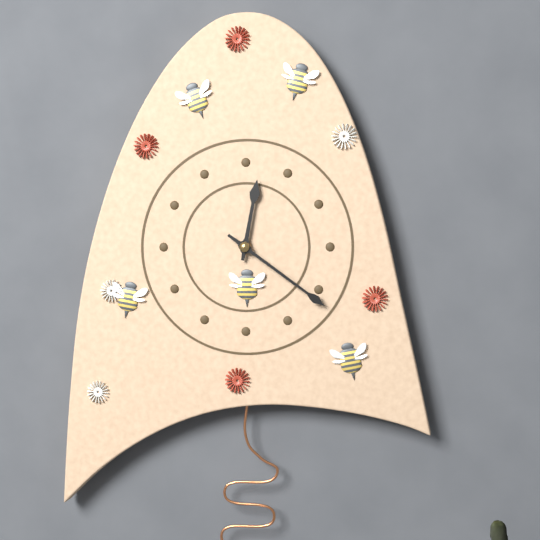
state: 12:21
